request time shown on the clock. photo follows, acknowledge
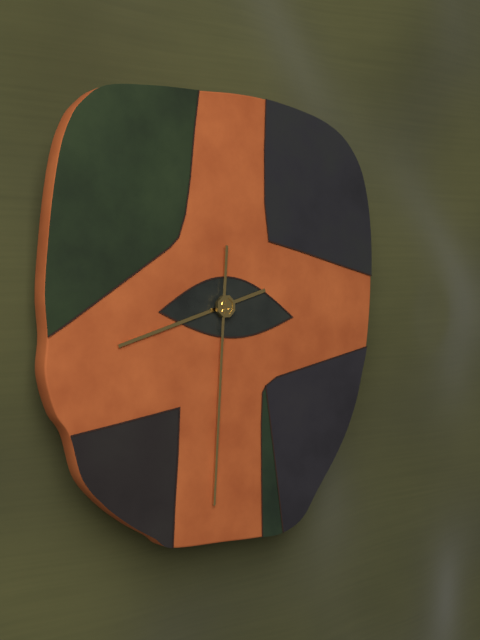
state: 8:31
